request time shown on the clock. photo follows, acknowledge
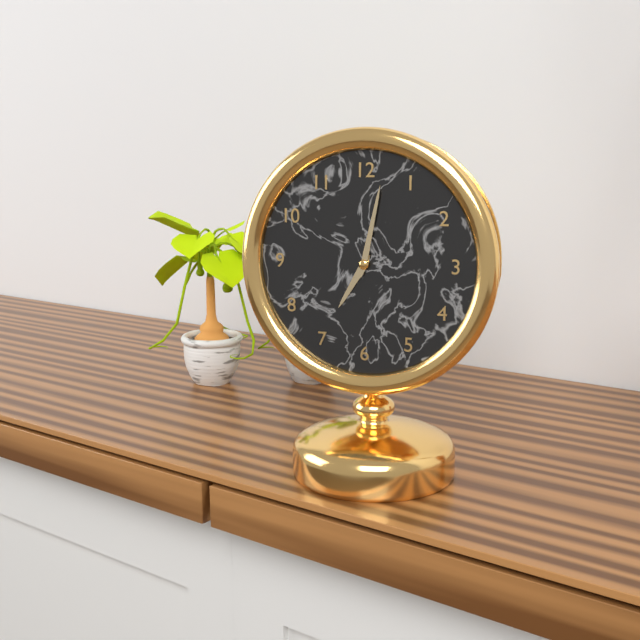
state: 7:02
